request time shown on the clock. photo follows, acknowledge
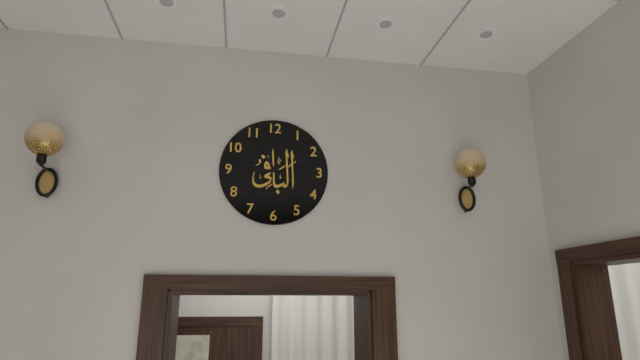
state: 8:55
